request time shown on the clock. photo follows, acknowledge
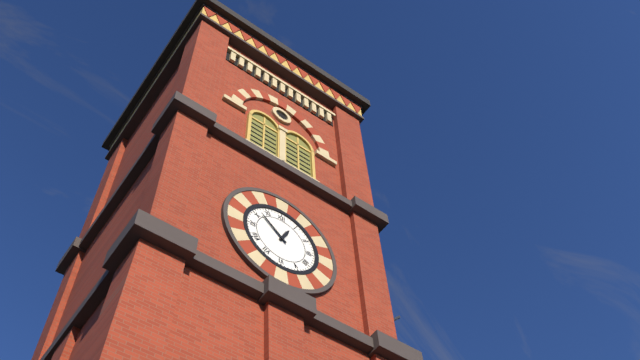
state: 12:52
